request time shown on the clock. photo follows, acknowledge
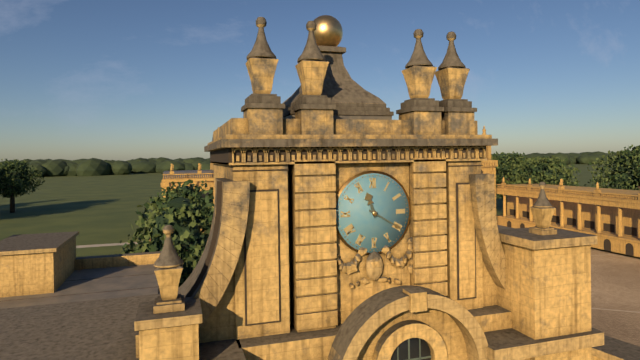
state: 11:20
